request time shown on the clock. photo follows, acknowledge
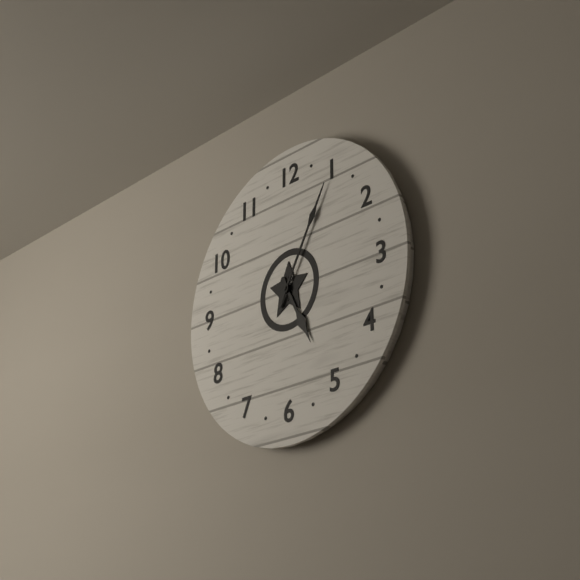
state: 5:05
